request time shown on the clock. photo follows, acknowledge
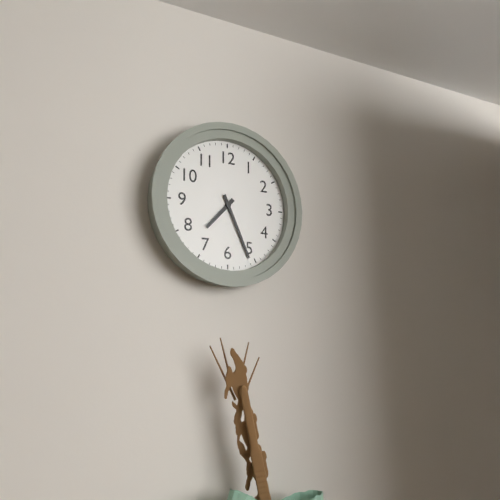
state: 7:26
